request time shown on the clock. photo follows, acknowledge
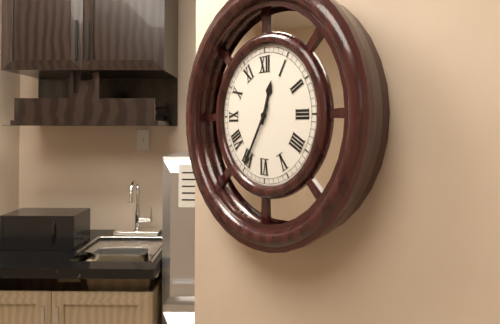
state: 12:35
